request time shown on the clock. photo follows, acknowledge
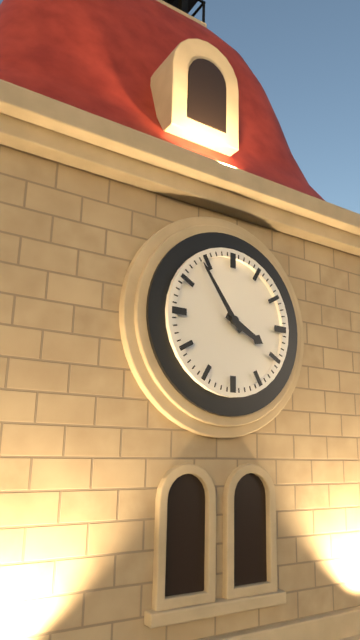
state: 3:54
